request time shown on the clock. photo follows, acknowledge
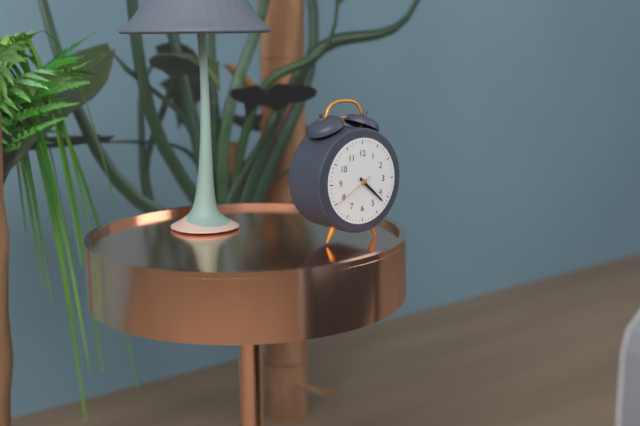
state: 4:22
